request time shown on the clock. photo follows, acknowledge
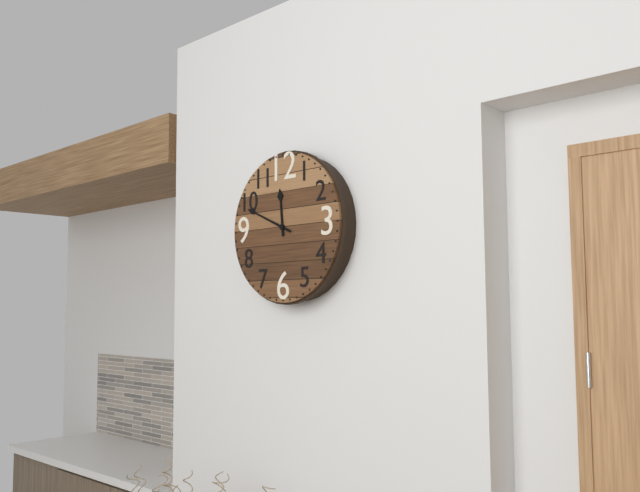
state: 11:49
